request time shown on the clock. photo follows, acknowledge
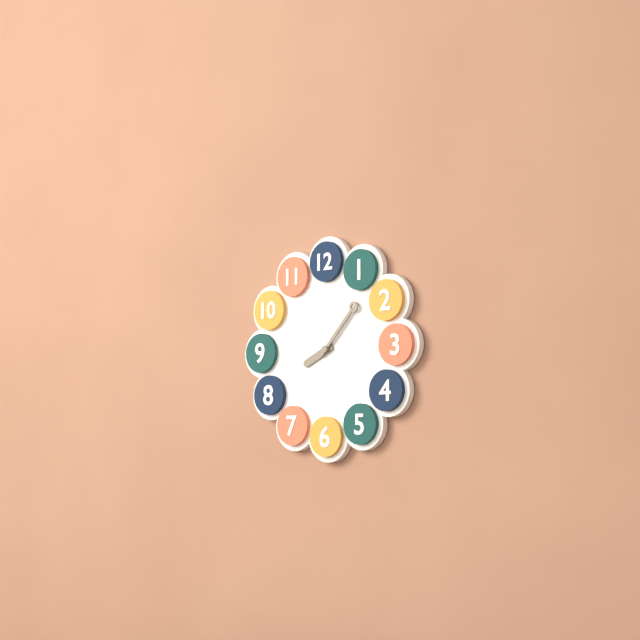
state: 8:07
